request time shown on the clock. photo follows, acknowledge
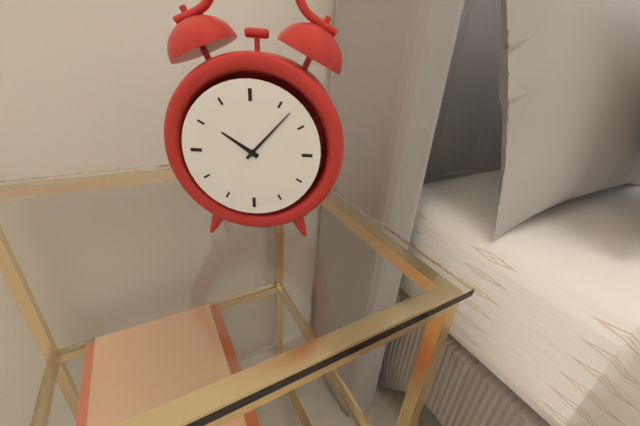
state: 10:07
